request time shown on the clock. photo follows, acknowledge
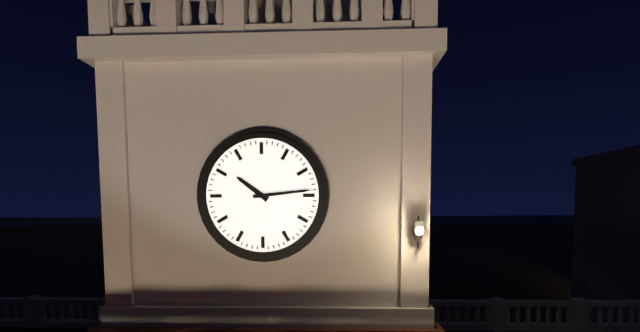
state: 10:14
